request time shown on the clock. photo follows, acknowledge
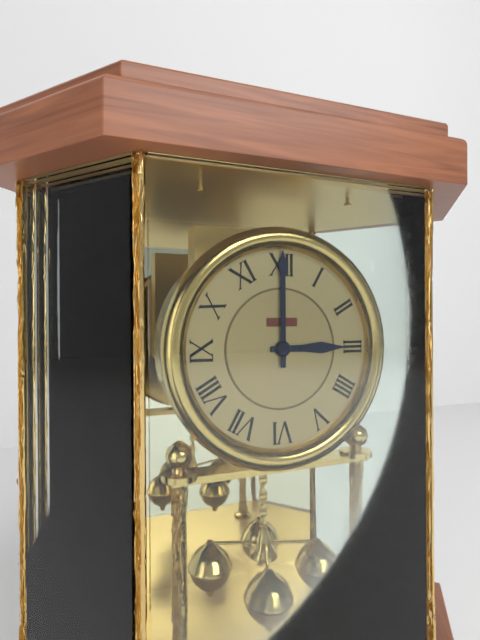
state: 3:00
